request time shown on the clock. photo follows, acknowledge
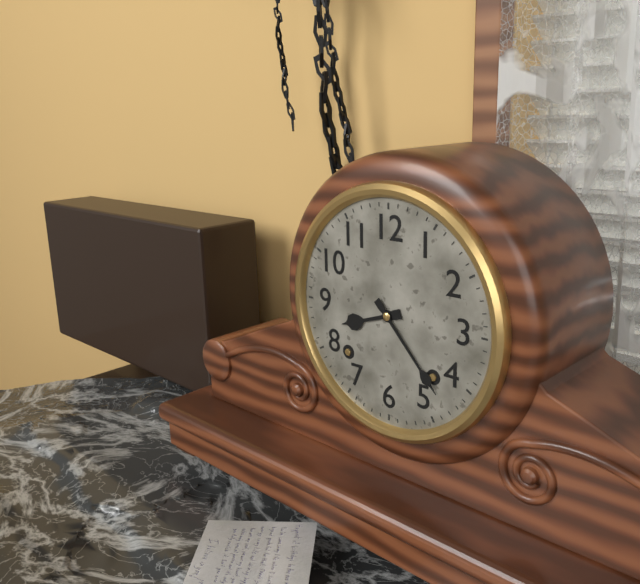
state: 8:23
